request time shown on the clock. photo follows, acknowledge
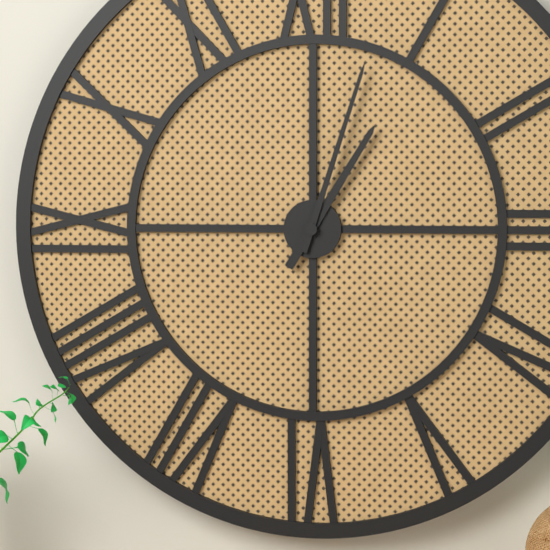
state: 1:03
